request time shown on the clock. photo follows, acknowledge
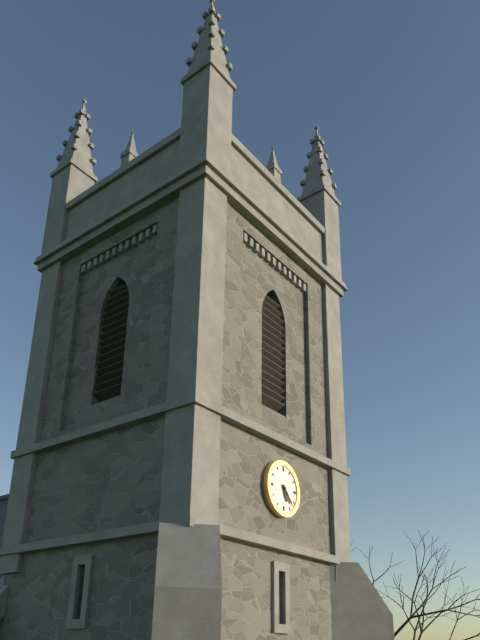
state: 5:23
